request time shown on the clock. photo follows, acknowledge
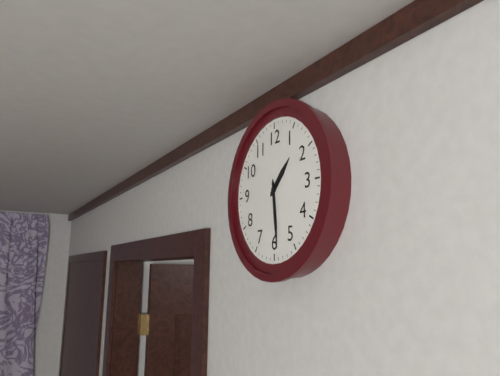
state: 1:29
